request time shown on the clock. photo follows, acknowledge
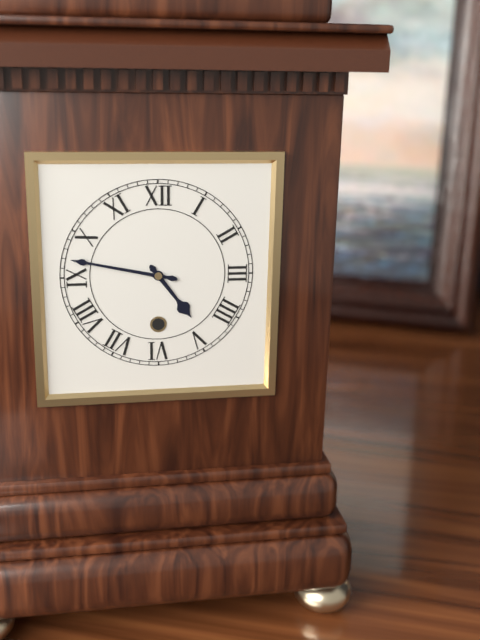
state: 4:47
